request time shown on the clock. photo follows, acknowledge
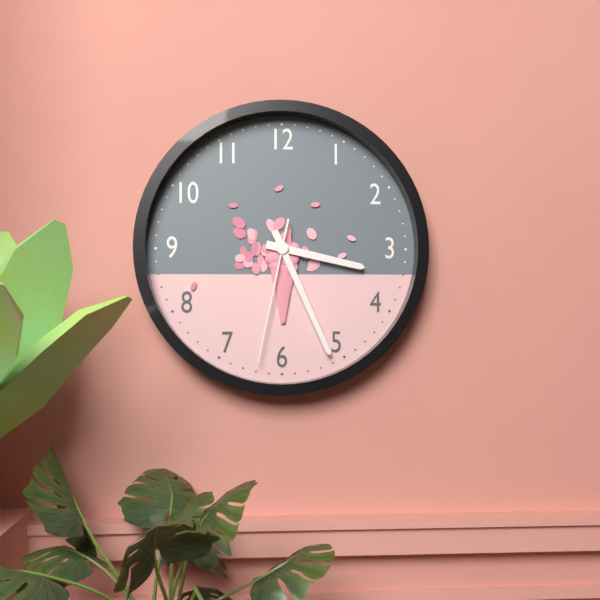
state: 3:26:32
